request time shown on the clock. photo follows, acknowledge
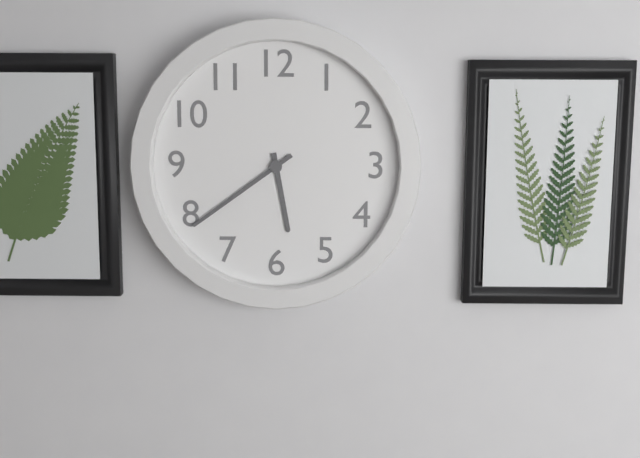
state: 5:39
